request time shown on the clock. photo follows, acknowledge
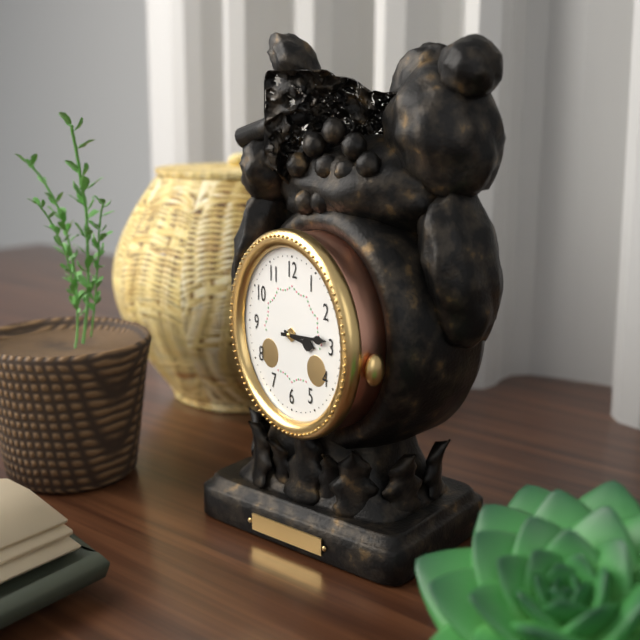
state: 3:14
